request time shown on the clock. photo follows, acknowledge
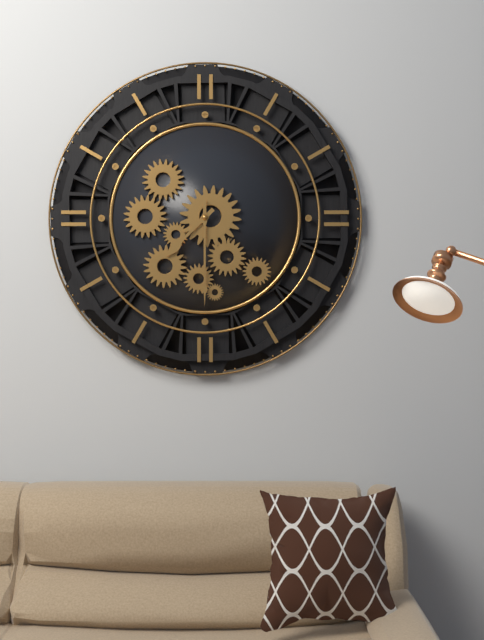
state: 7:30
